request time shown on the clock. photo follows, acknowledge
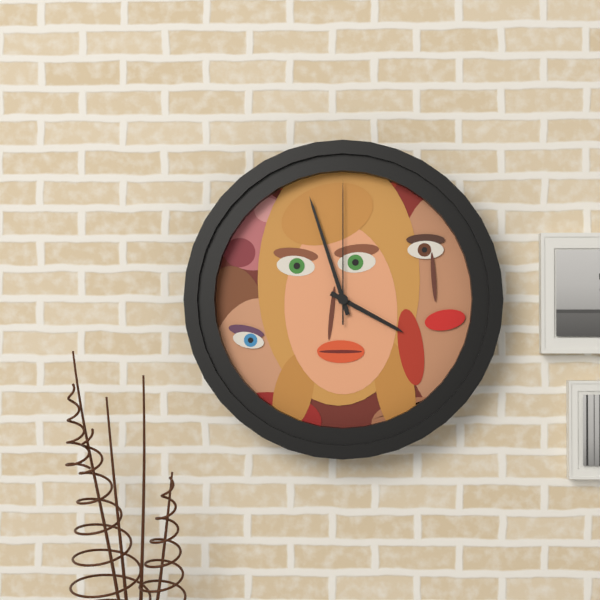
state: 3:57:00
